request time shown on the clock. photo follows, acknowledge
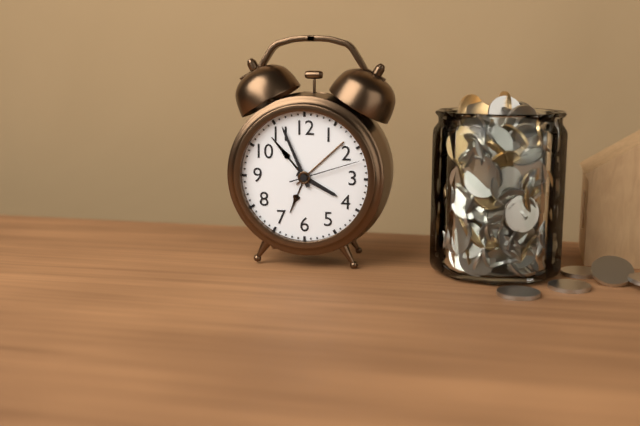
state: 3:56:12
